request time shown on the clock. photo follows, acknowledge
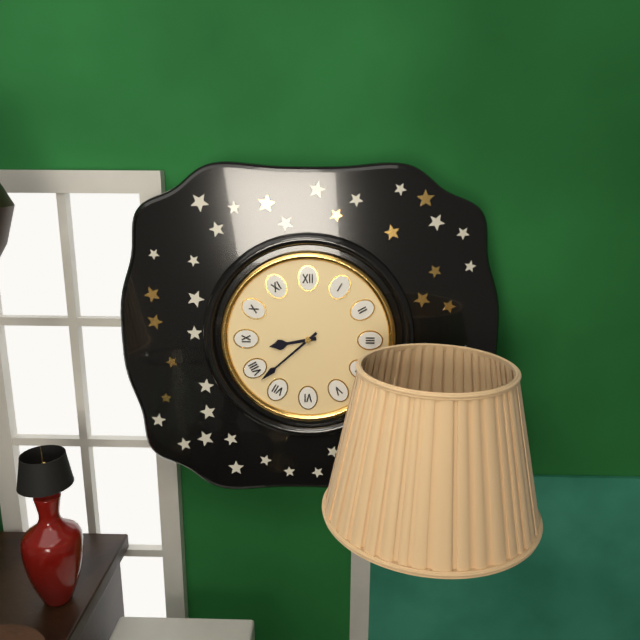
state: 8:38
